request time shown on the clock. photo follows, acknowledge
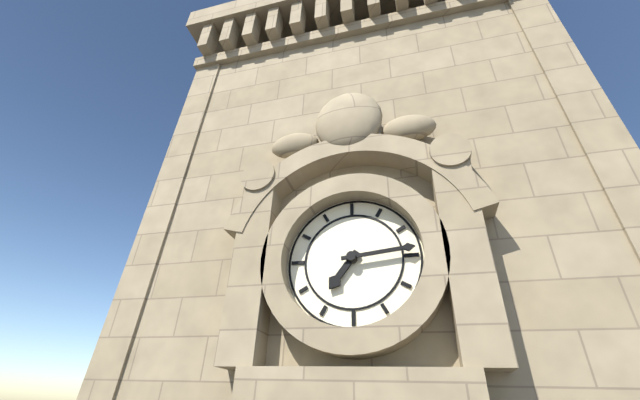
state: 7:14
